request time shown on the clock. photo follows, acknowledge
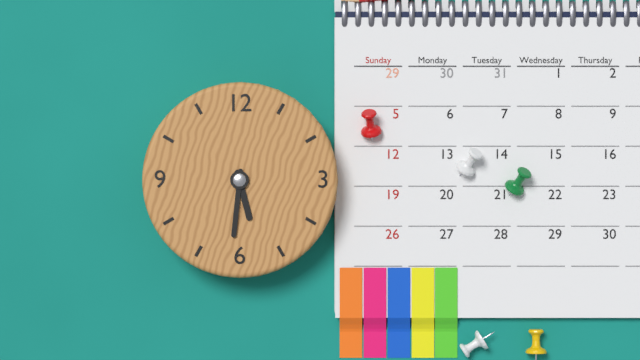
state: 5:31
